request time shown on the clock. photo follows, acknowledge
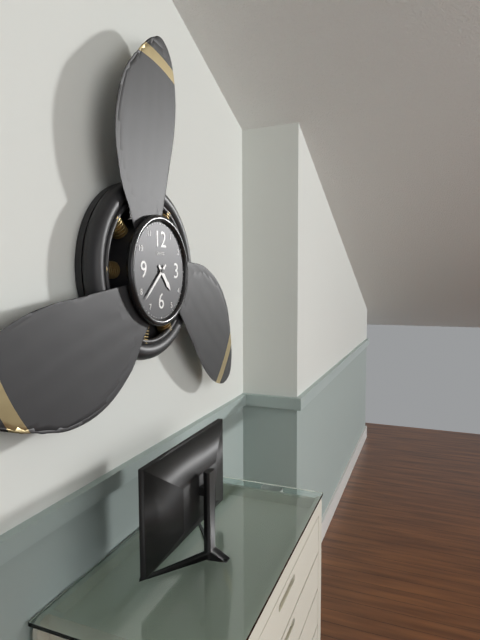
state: 4:38
